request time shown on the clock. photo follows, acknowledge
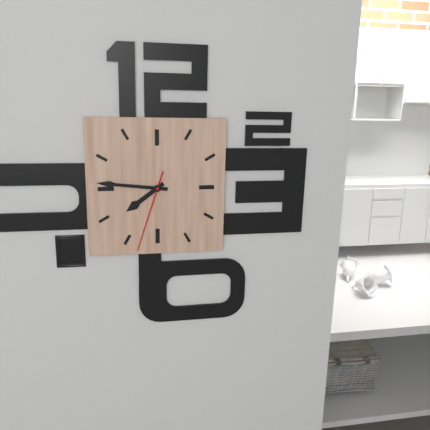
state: 7:46:33
